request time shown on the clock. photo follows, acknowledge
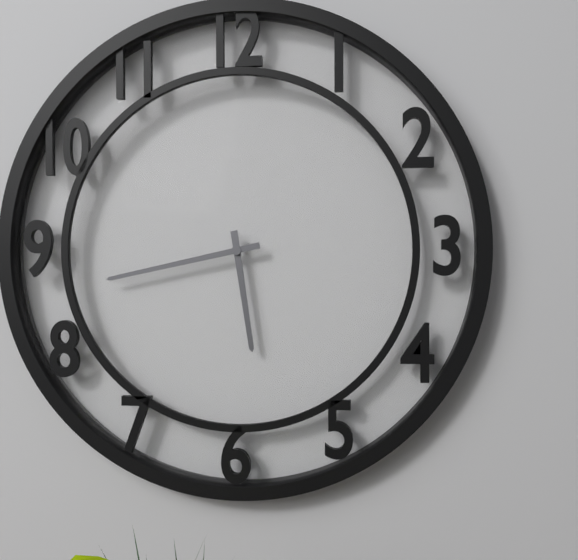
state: 5:43
